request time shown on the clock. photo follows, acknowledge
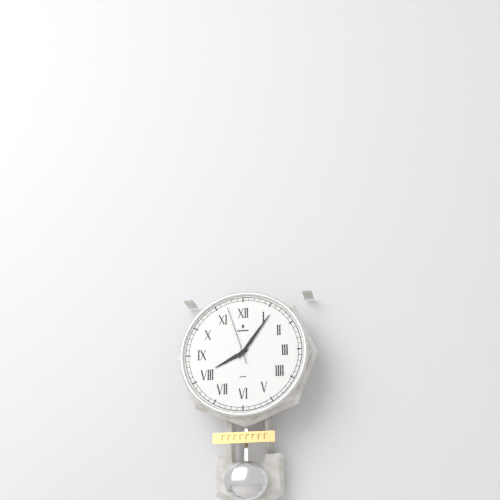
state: 8:06:57
